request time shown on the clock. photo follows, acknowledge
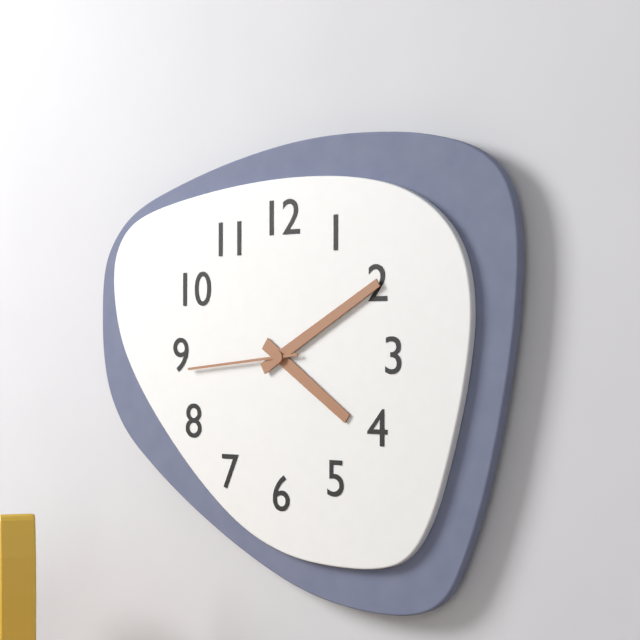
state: 4:10:44
